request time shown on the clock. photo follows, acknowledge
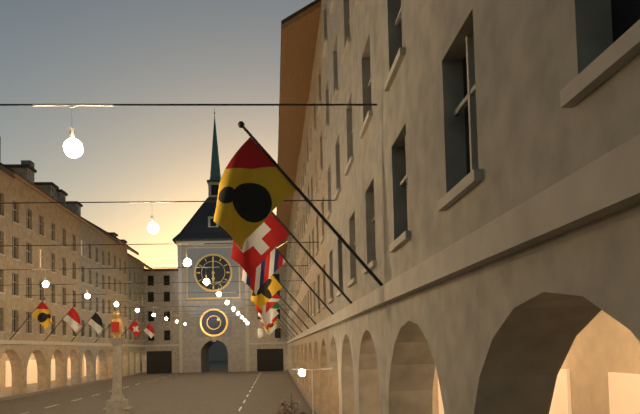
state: 6:00
